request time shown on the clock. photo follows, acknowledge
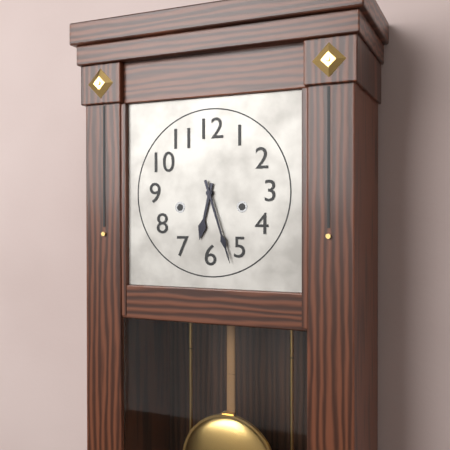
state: 6:27
